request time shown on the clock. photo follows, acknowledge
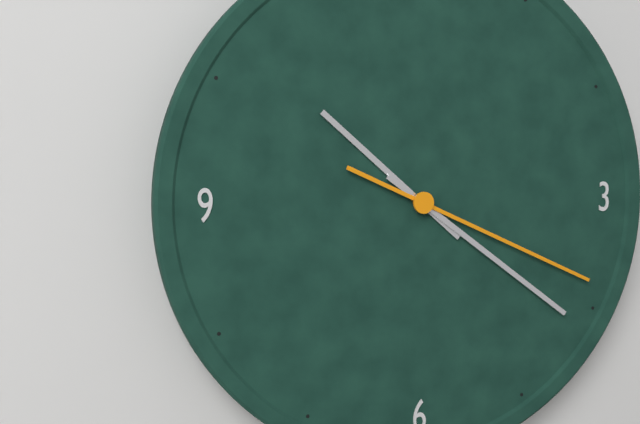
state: 10:21:19
